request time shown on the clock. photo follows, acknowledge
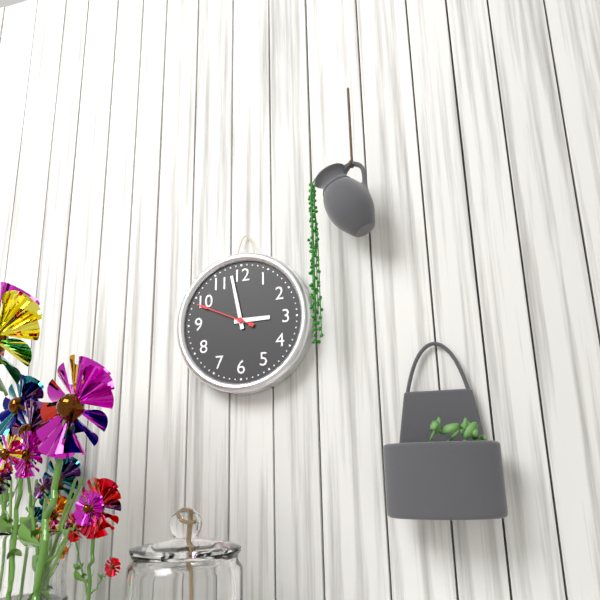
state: 2:58:49
